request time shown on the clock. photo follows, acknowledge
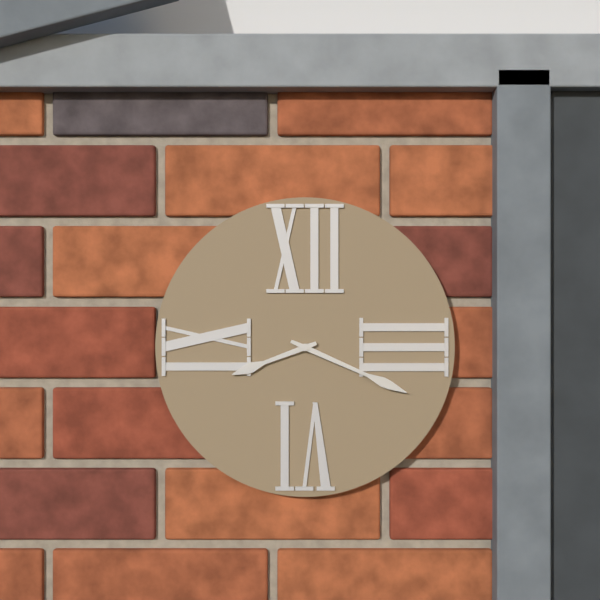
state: 8:19
